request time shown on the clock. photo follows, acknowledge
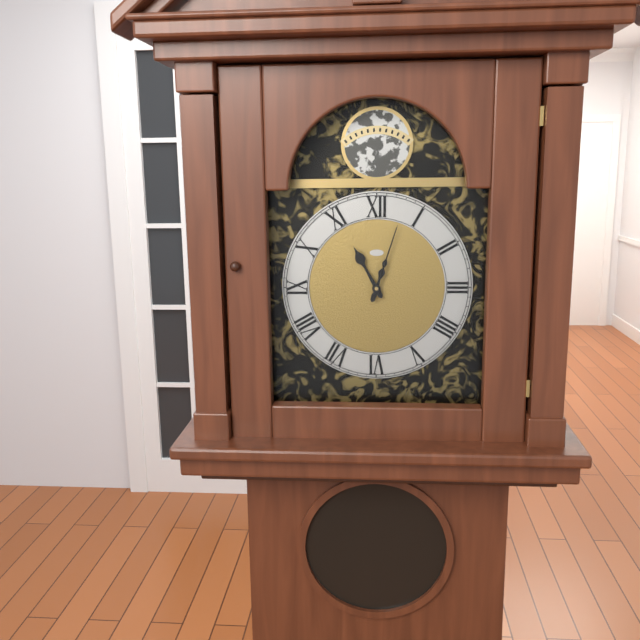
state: 11:03
